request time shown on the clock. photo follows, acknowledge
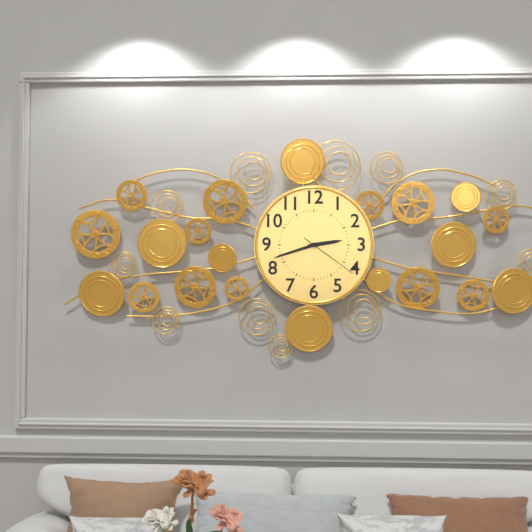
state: 2:42:21
